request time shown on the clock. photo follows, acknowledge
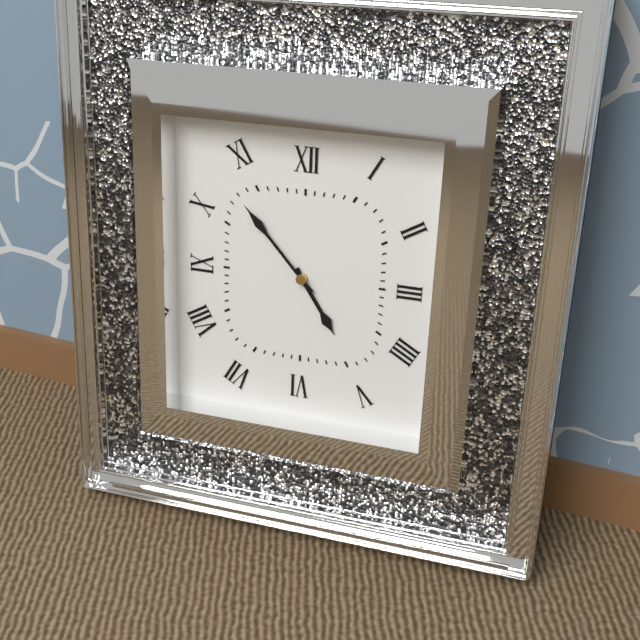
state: 4:53
